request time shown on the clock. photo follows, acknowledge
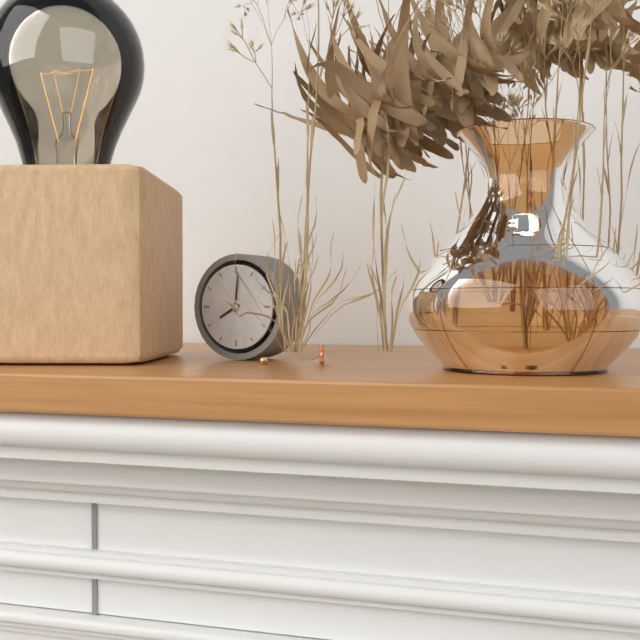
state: 8:01
